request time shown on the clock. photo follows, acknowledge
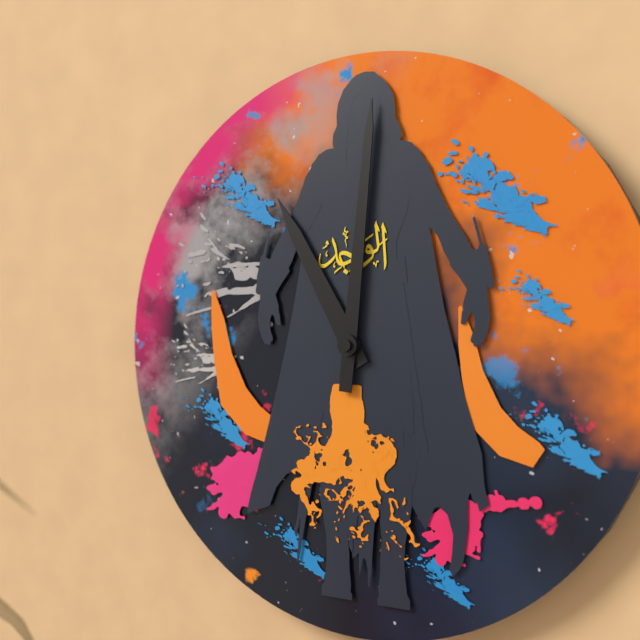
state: 11:01
